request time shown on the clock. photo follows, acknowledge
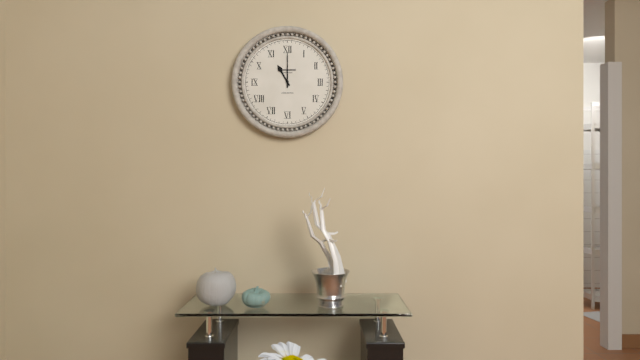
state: 11:00
